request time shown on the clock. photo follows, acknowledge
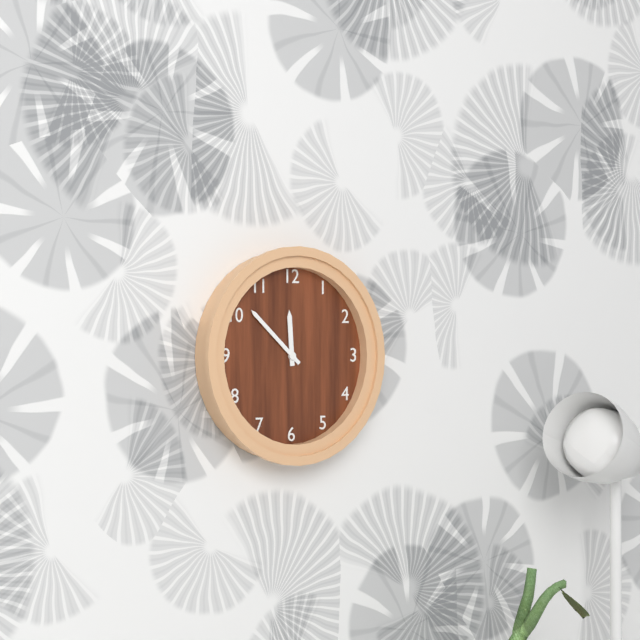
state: 11:52
